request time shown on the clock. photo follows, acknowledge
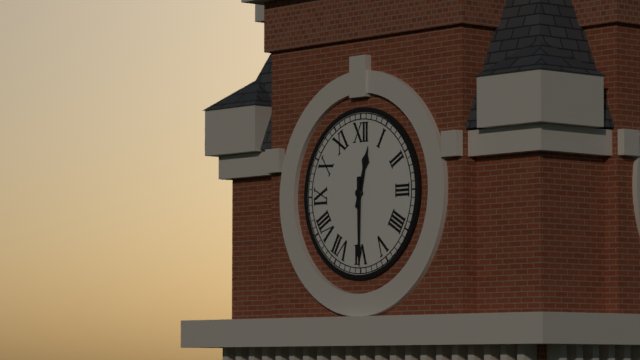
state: 12:30
